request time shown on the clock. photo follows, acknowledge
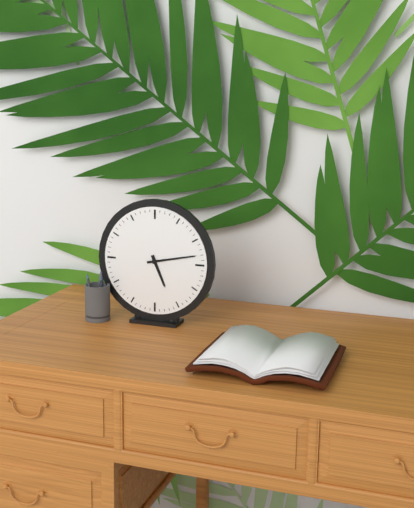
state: 5:13
